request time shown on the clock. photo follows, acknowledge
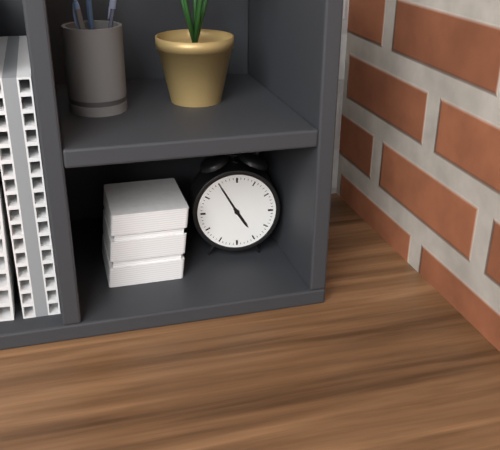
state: 4:55
